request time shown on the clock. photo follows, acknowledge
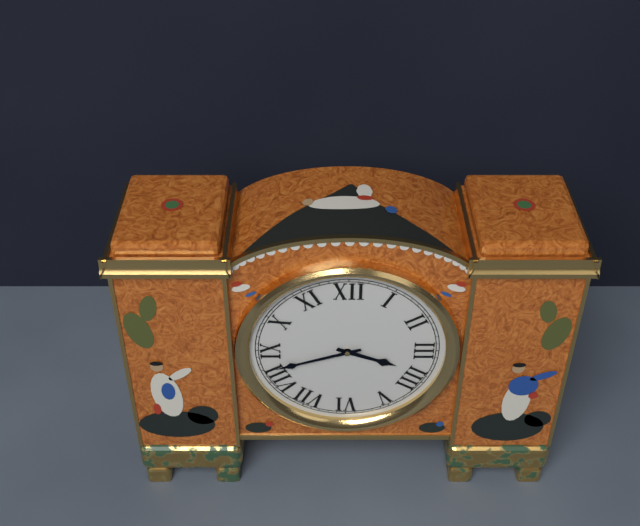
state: 3:42
